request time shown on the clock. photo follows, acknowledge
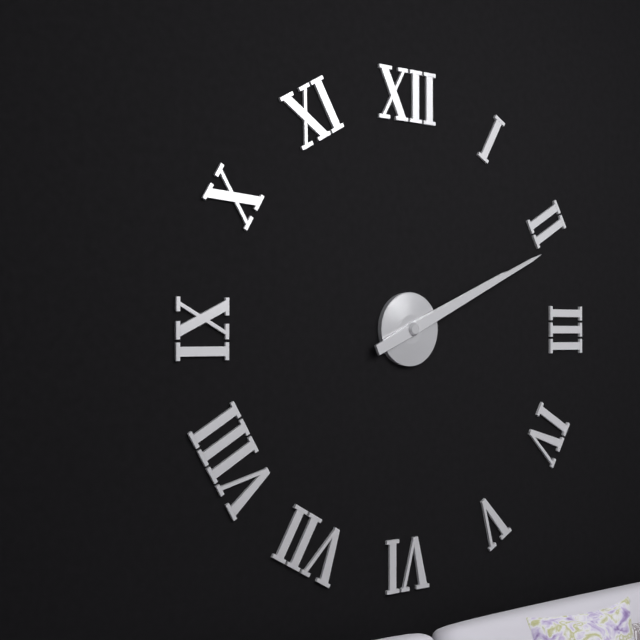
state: 2:11
